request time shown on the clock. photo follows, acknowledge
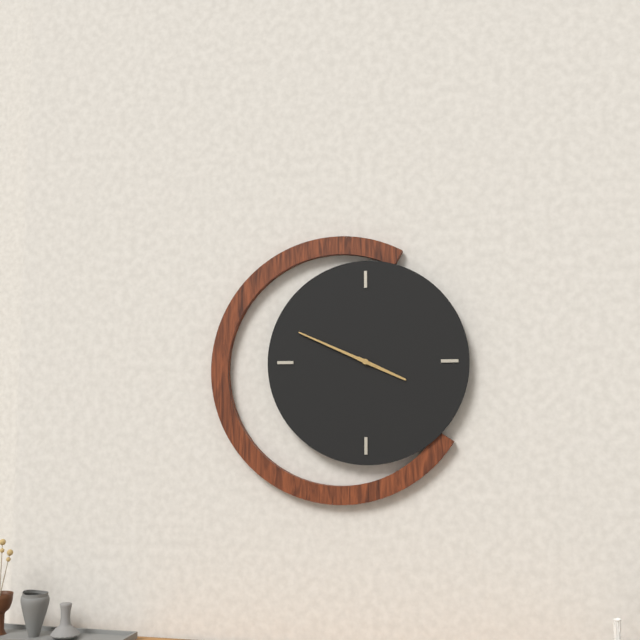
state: 3:49
